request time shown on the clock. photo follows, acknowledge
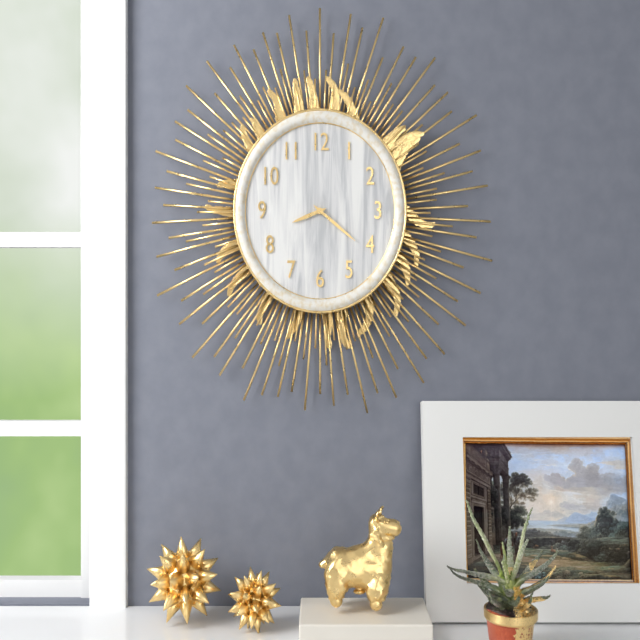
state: 8:21
